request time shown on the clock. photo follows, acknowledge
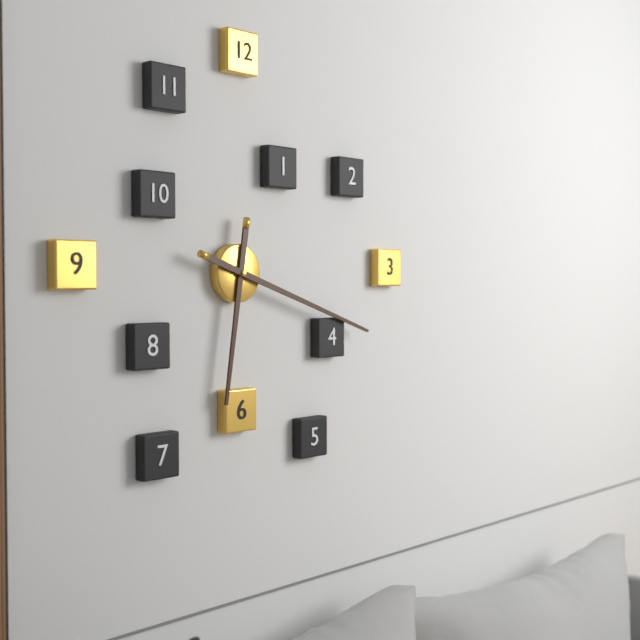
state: 6:18
